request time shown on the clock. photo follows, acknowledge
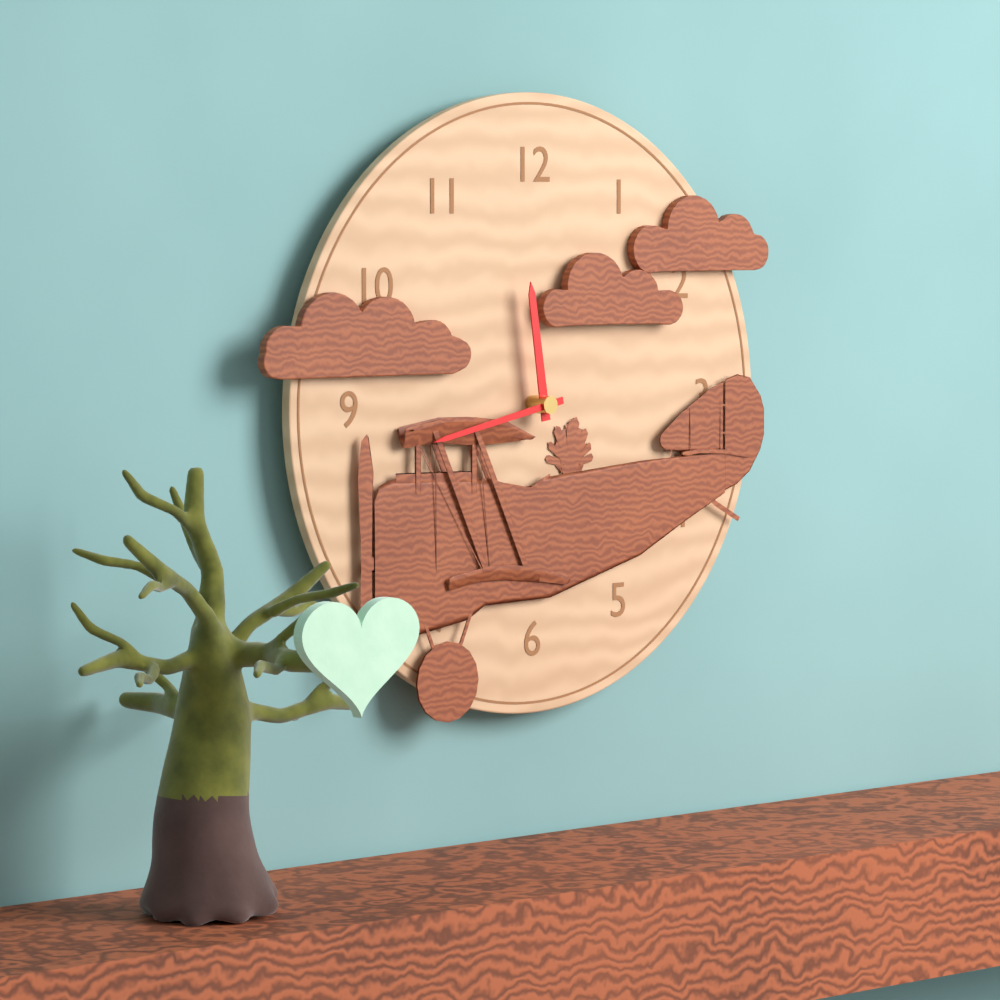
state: 11:43
